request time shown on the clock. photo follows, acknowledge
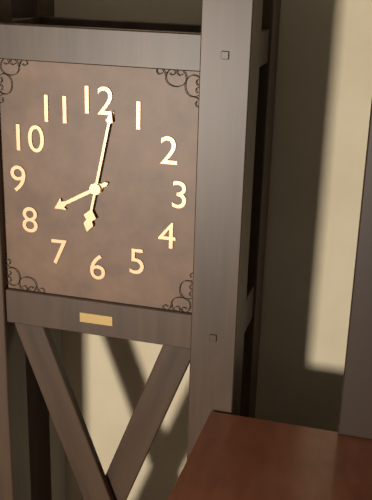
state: 8:02
